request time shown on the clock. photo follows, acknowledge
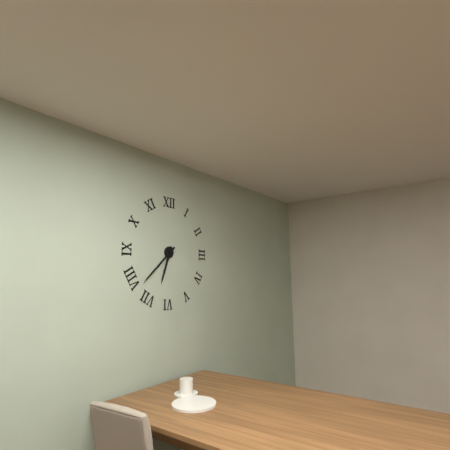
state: 6:38
